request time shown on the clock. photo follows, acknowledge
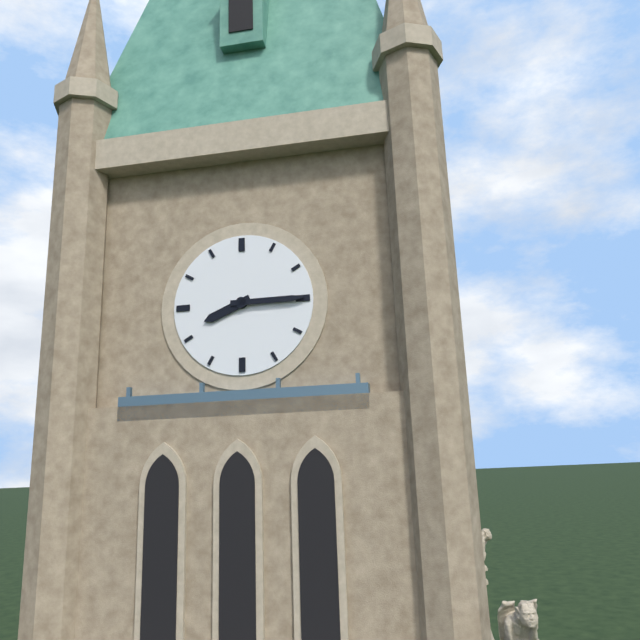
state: 8:15
